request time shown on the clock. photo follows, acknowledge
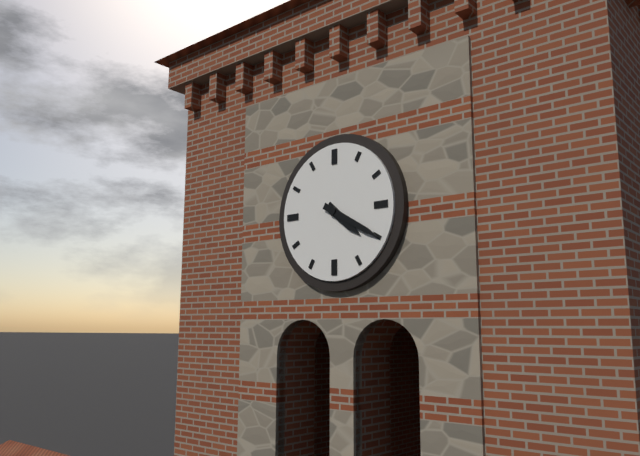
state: 4:20
